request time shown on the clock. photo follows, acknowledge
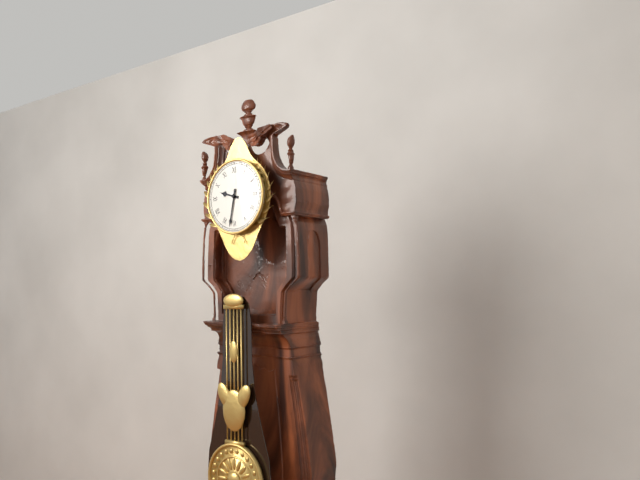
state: 9:32
